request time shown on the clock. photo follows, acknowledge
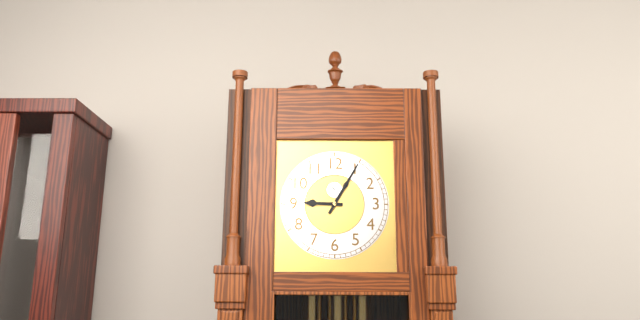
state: 9:05
